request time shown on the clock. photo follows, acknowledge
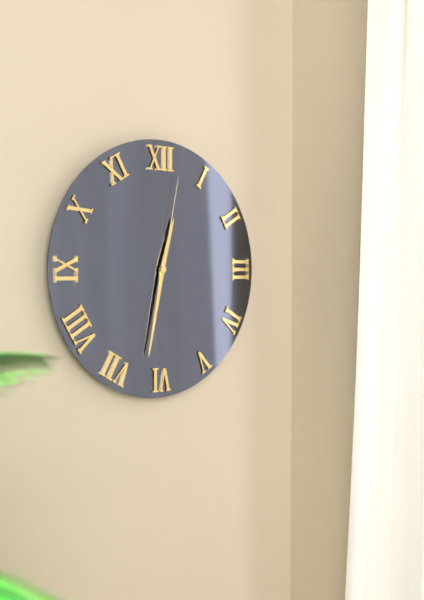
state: 12:32:02
